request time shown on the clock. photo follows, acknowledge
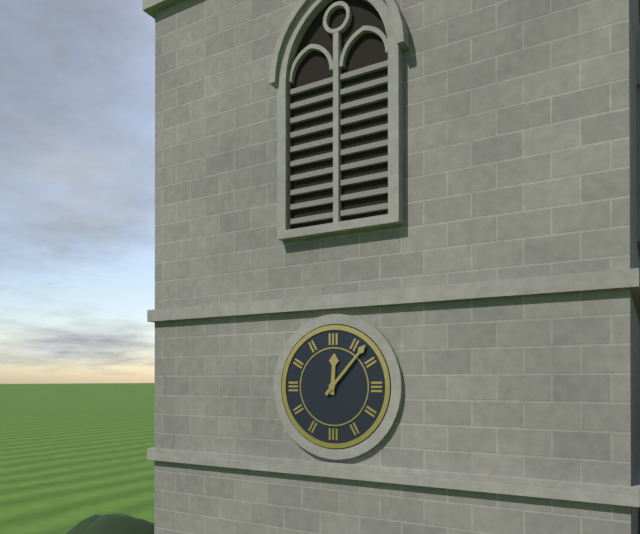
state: 12:07
